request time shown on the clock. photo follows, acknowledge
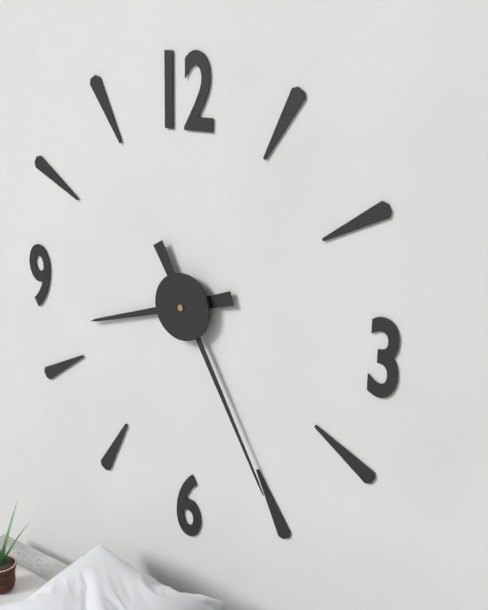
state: 8:25
